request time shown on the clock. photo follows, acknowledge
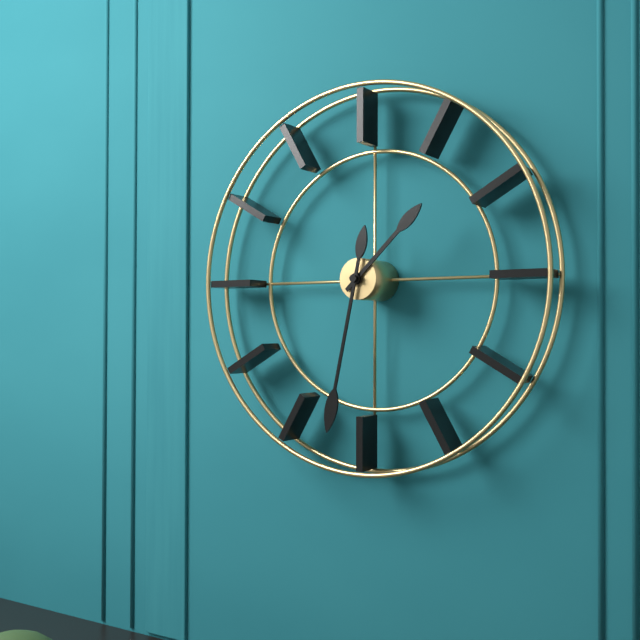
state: 1:32
